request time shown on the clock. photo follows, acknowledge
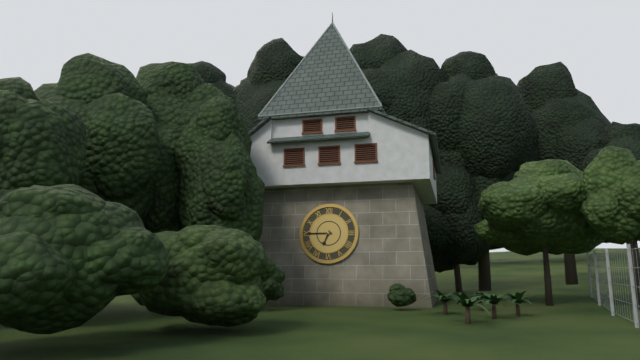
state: 6:45
